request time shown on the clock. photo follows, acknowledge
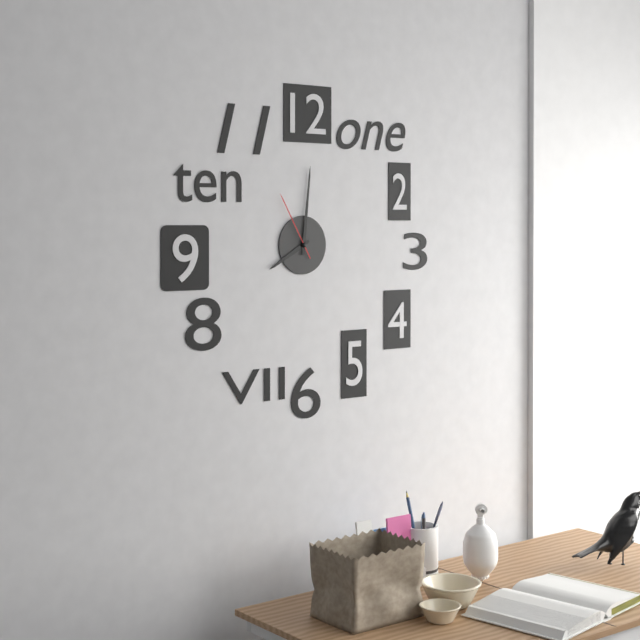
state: 8:01:55
